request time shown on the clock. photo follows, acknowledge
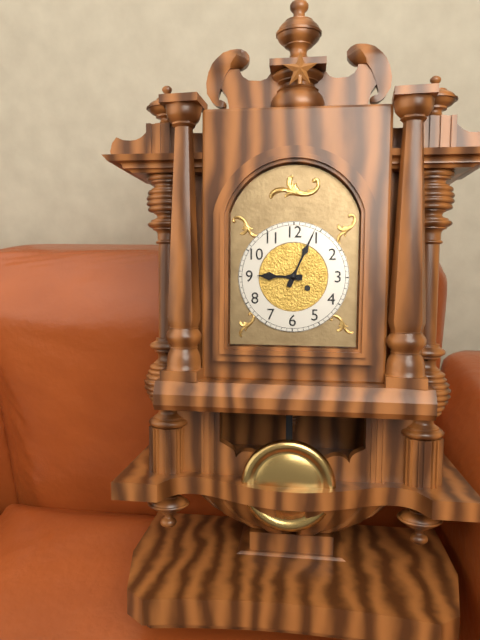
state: 9:04
